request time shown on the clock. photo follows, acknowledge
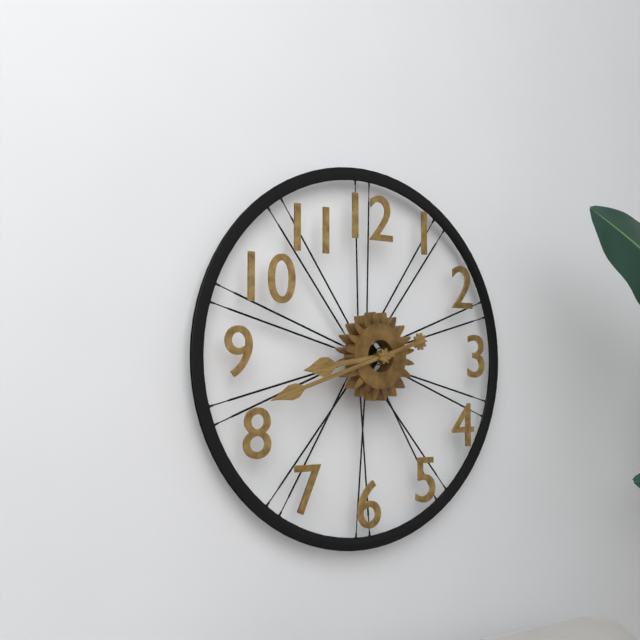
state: 8:42
